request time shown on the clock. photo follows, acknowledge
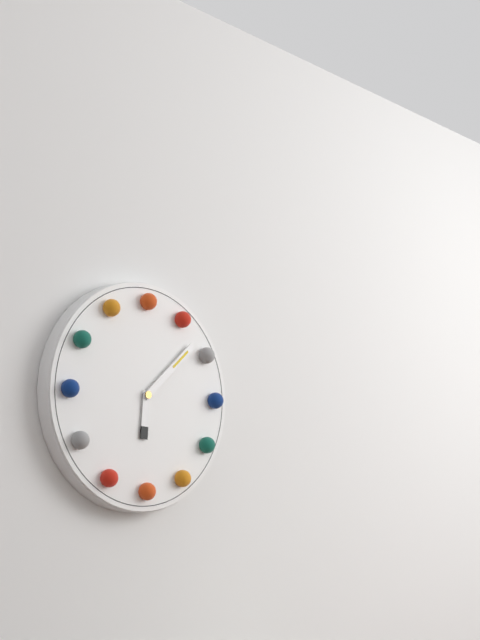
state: 6:08
